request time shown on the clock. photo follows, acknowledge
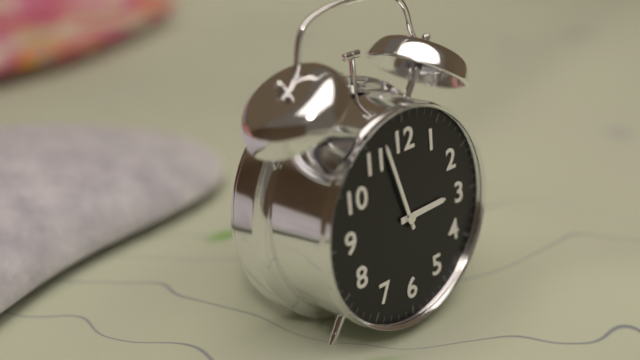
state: 2:57
